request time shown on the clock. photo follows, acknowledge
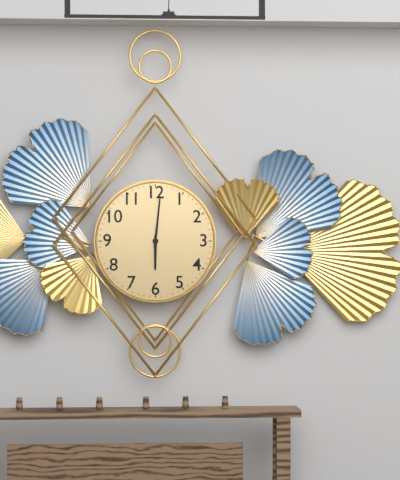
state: 6:01
